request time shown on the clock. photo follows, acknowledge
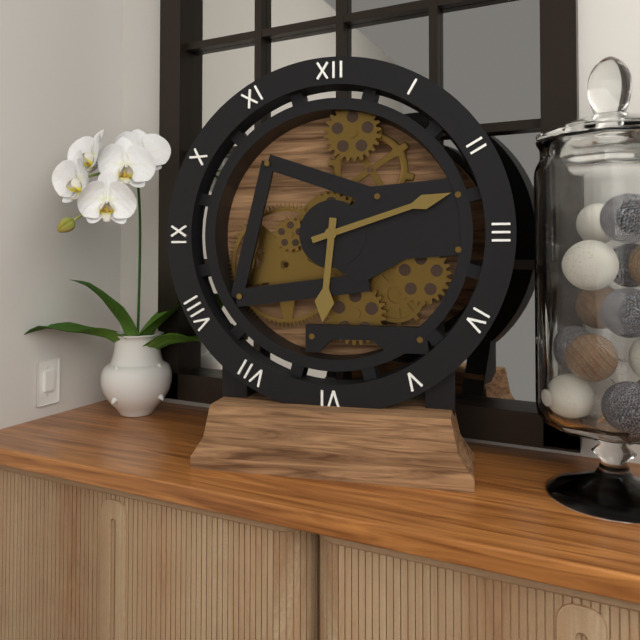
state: 6:12
